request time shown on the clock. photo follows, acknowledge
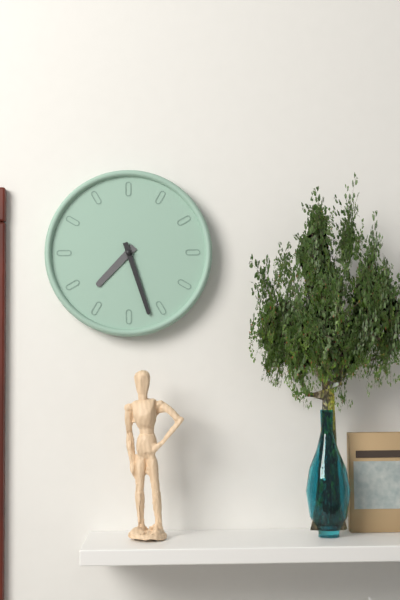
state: 7:27
